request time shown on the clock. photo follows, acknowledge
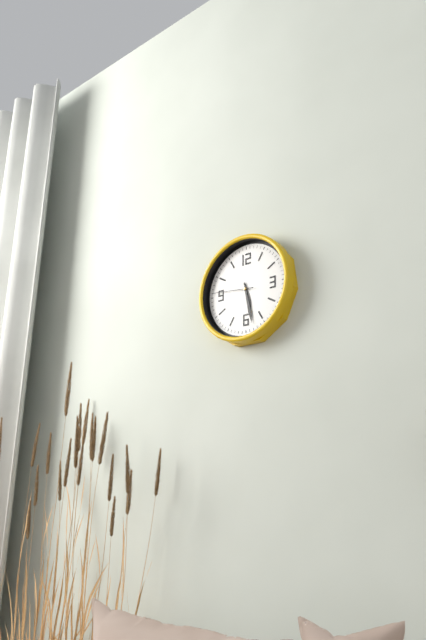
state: 5:28
